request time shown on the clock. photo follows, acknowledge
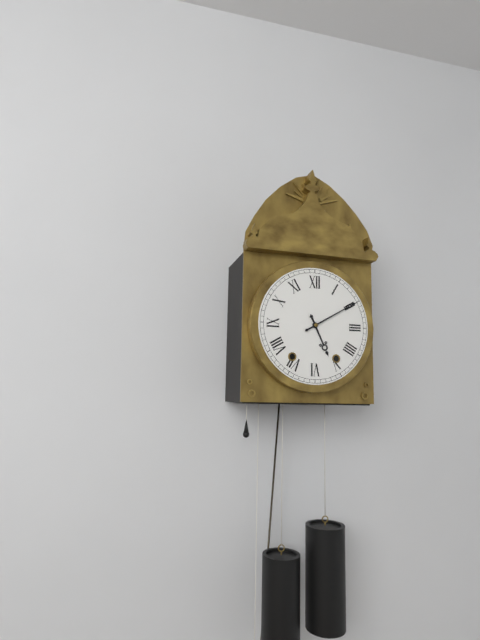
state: 5:10
